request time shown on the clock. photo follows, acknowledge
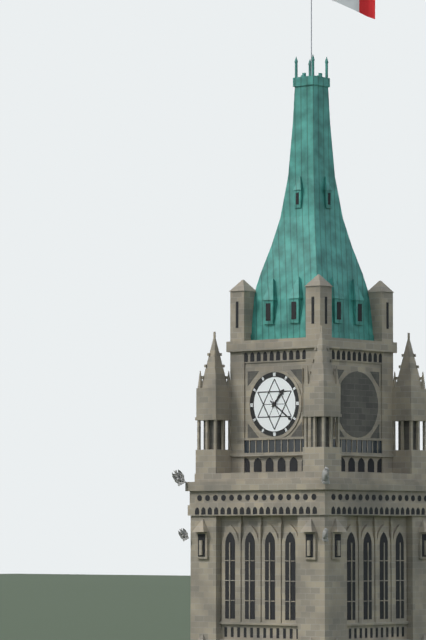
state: 1:21
